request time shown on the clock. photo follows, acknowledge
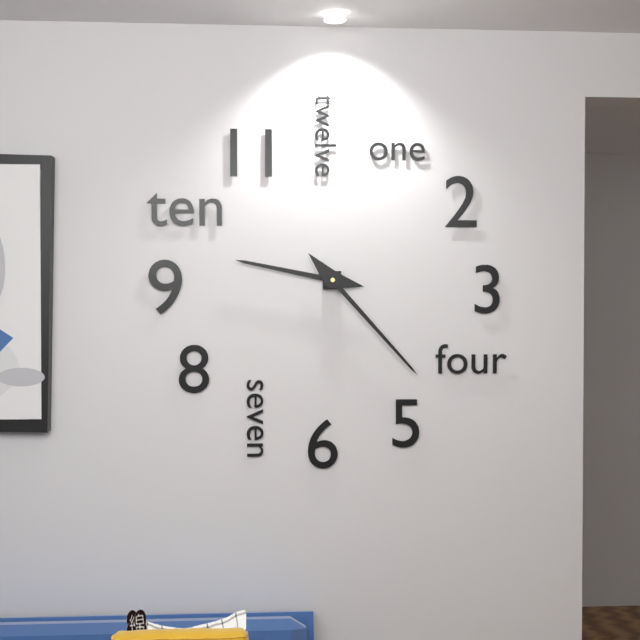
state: 9:23
